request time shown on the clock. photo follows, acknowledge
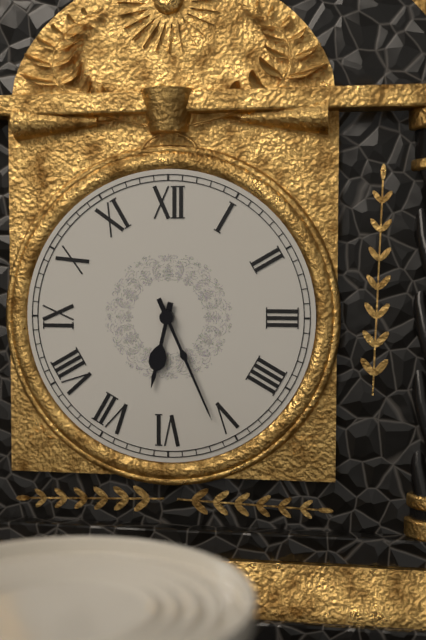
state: 6:26
